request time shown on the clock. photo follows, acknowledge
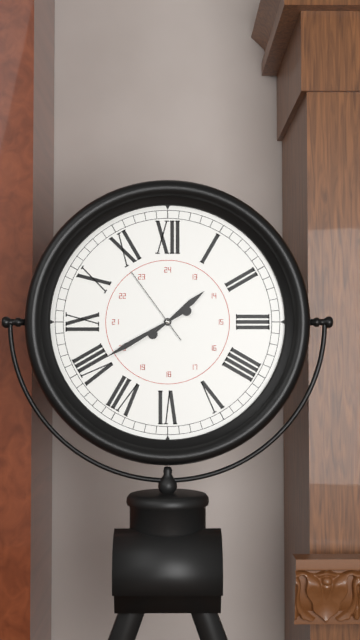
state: 1:40:54
